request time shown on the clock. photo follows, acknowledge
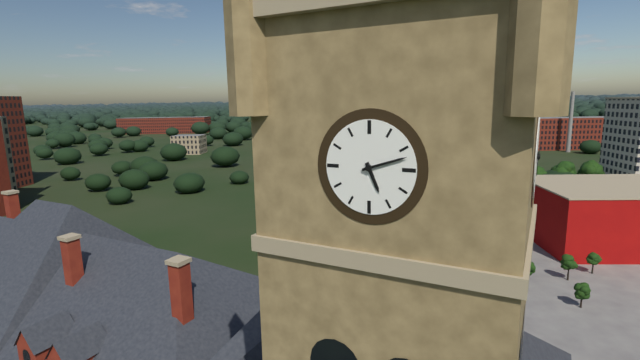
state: 5:12
